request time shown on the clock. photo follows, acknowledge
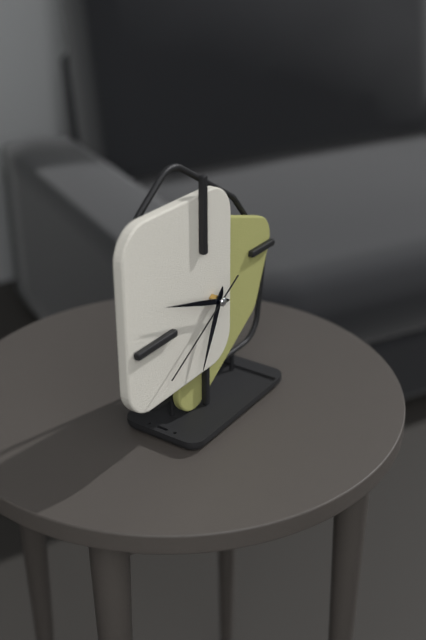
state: 6:48:40
